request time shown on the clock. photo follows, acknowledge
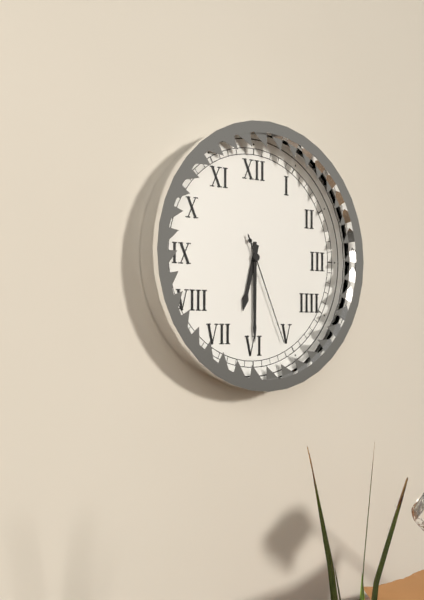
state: 6:30:26
